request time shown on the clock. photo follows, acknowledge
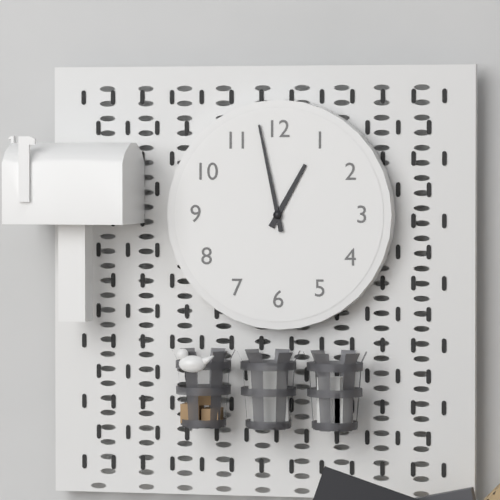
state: 12:58
